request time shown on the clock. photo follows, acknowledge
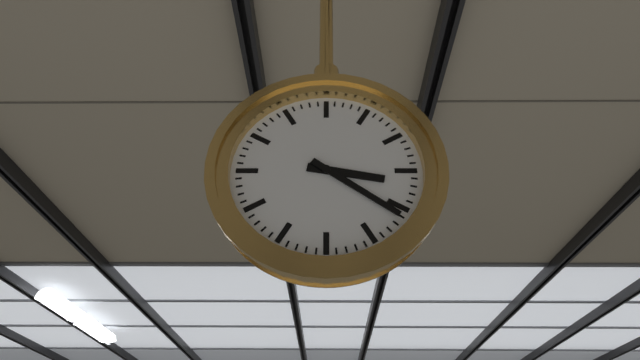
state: 3:21
